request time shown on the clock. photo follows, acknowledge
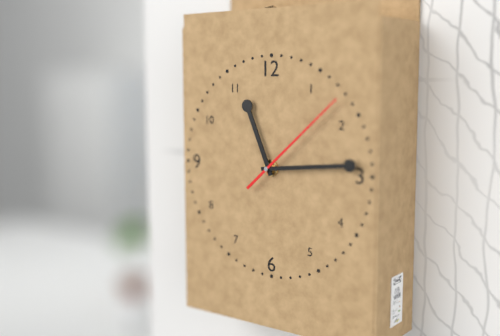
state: 11:14:08
